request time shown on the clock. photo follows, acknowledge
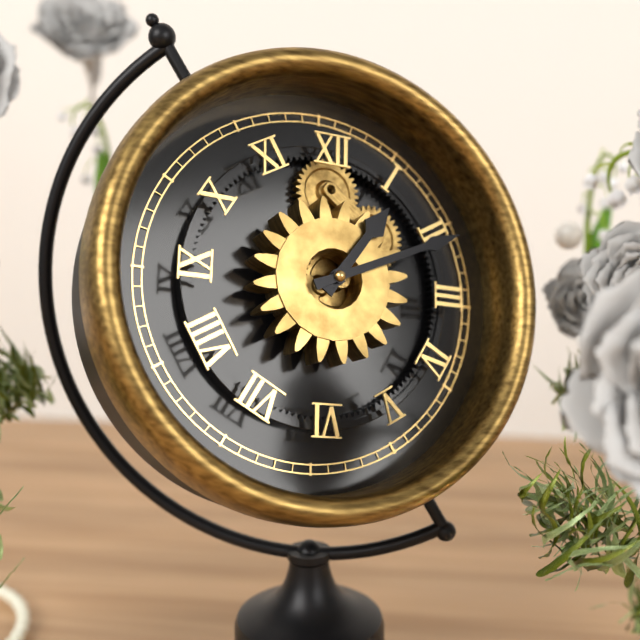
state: 1:11
